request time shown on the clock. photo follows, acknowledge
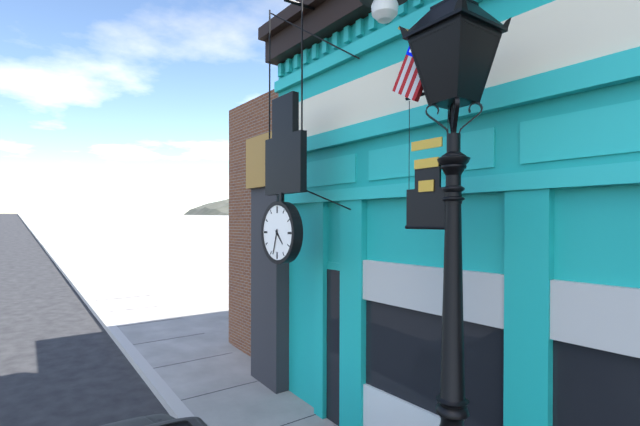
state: 4:33
